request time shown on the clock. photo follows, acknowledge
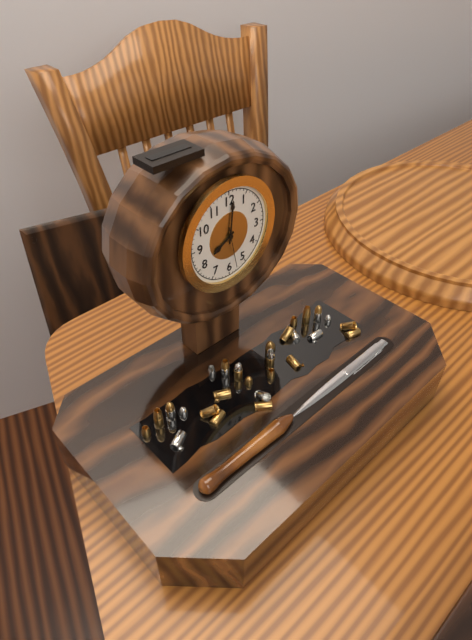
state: 8:01
